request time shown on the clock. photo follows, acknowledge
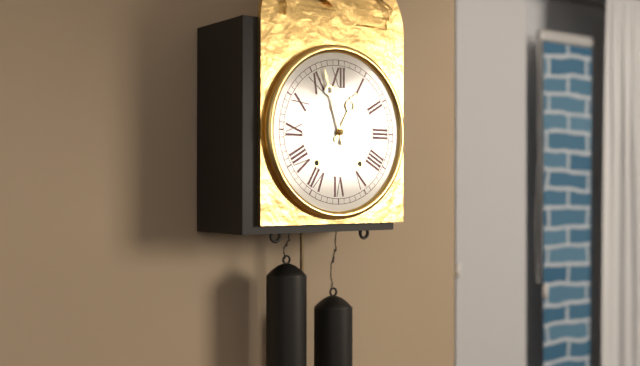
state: 12:57
